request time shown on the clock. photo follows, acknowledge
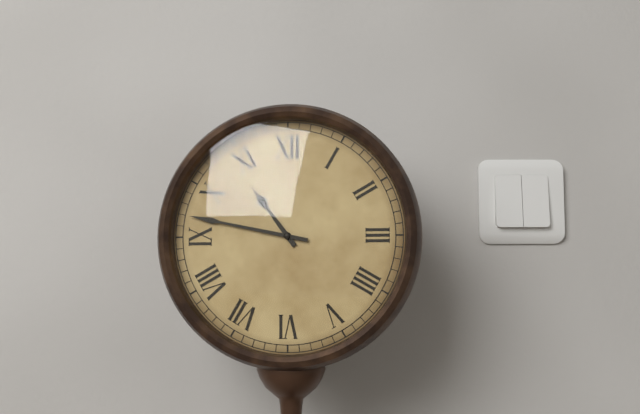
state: 10:47
